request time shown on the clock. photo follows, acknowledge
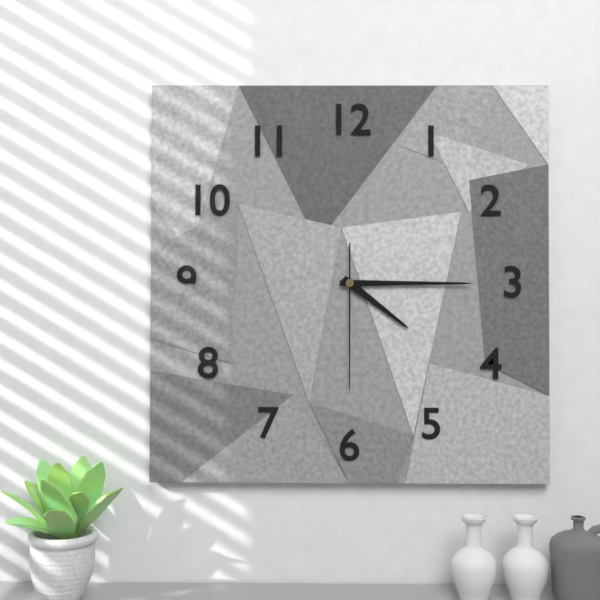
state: 4:15:30
